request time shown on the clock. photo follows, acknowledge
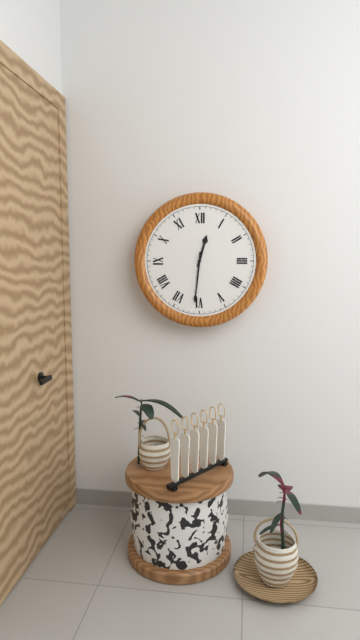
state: 12:31
